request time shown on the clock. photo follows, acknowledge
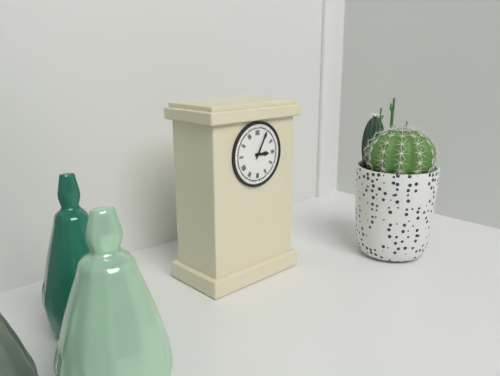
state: 3:05
